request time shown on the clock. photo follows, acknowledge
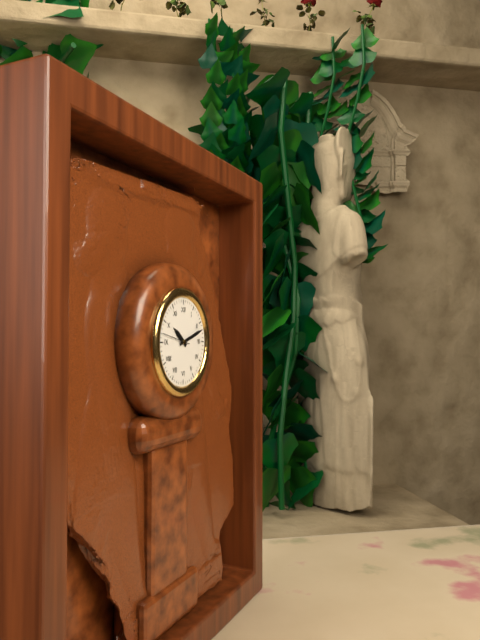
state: 10:12
